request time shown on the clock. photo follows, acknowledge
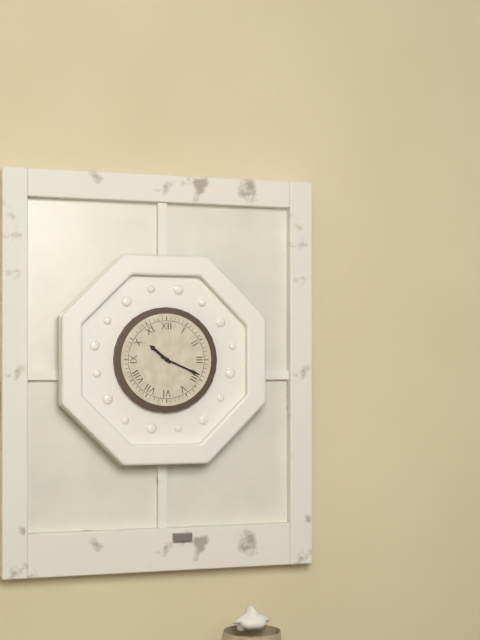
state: 10:19
